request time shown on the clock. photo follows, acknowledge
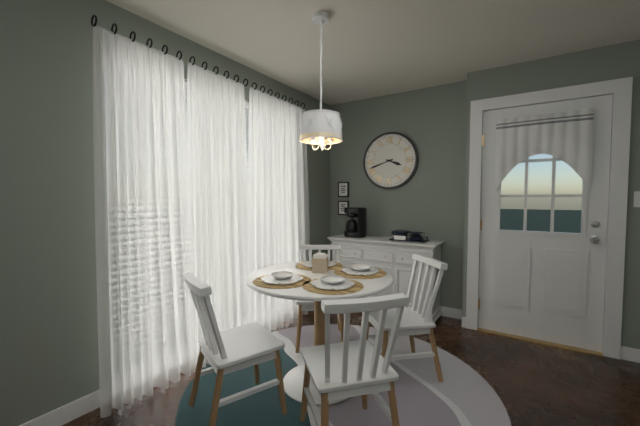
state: 3:42
